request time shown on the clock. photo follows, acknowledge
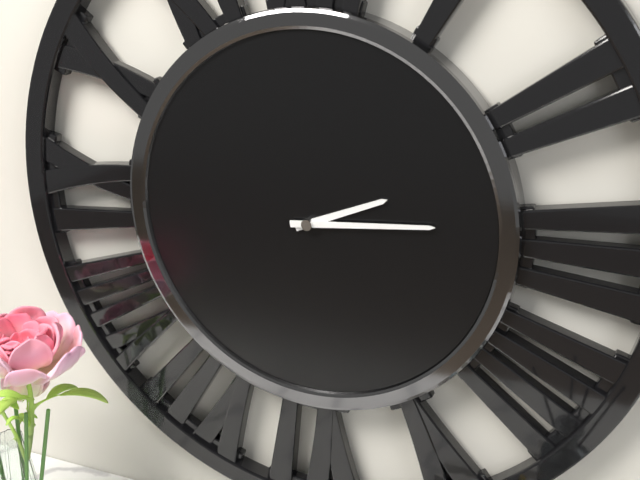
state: 2:14
